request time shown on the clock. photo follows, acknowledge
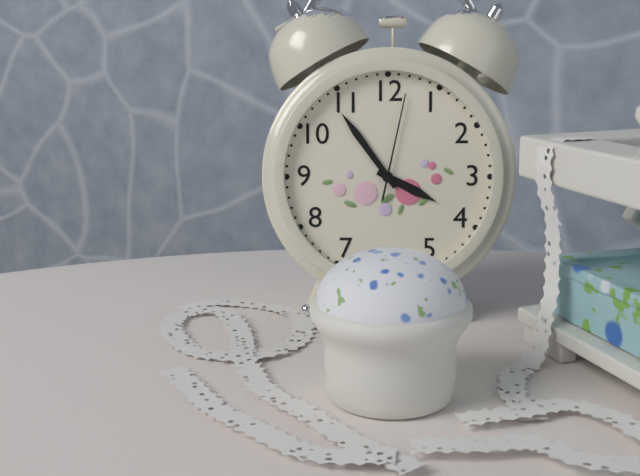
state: 3:54:02
